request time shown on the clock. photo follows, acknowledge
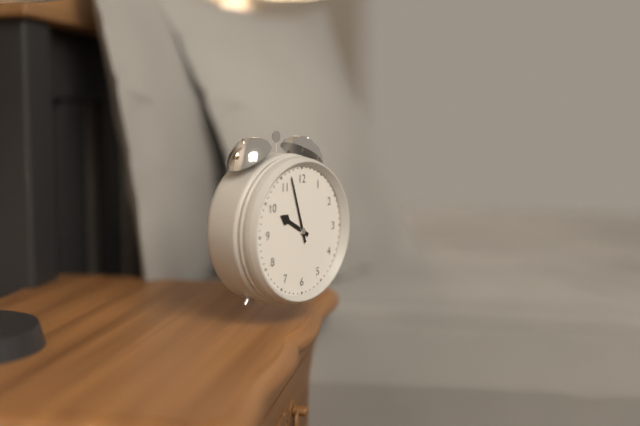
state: 9:57
